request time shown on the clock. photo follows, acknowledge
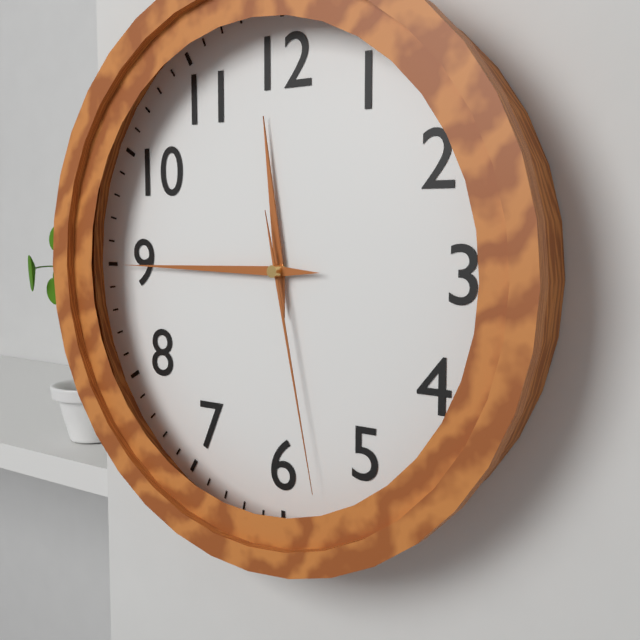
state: 11:45:28
